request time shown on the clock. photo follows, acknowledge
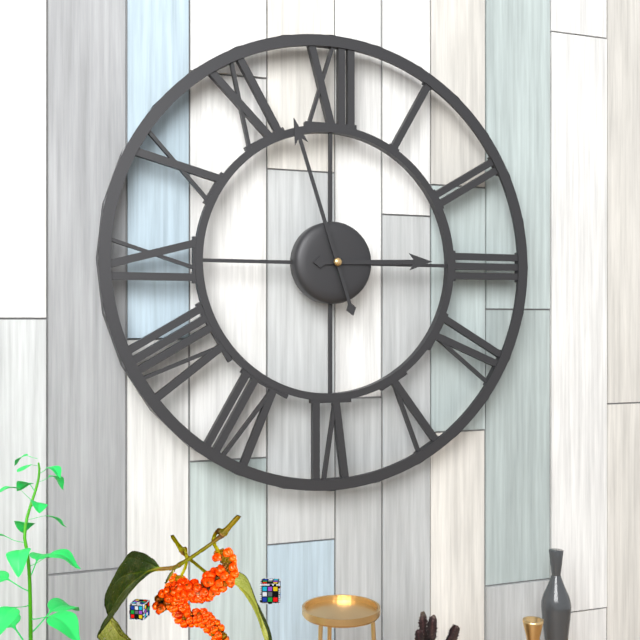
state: 2:57
